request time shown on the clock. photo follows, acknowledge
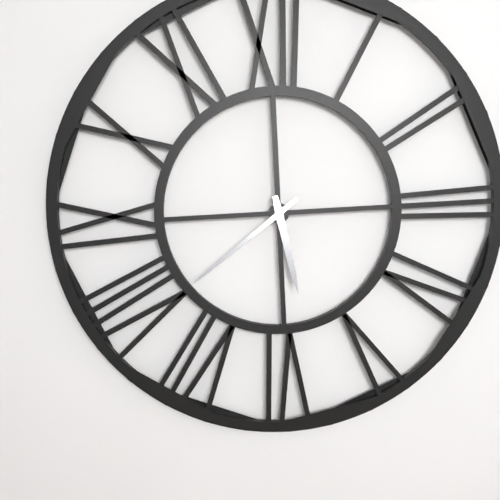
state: 5:39
